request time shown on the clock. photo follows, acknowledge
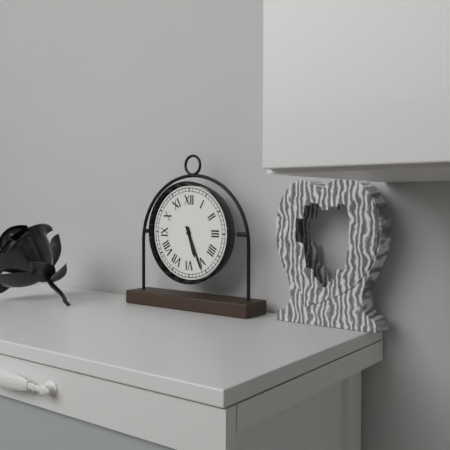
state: 5:26
